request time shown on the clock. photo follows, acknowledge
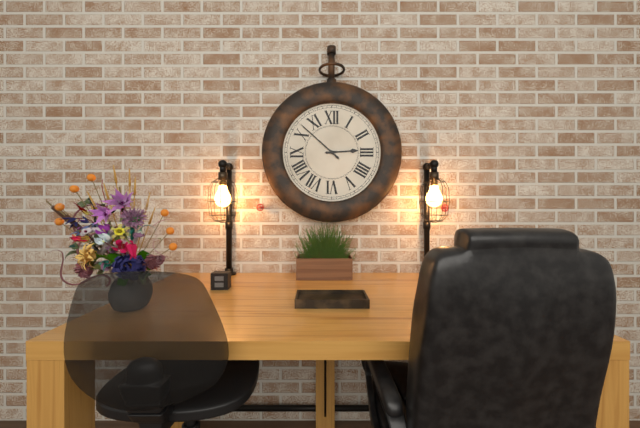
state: 2:52
